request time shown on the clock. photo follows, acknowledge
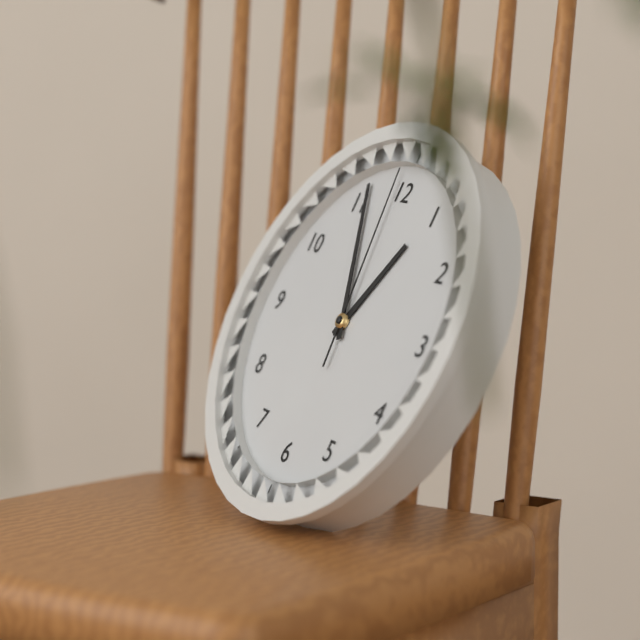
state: 12:56:59
